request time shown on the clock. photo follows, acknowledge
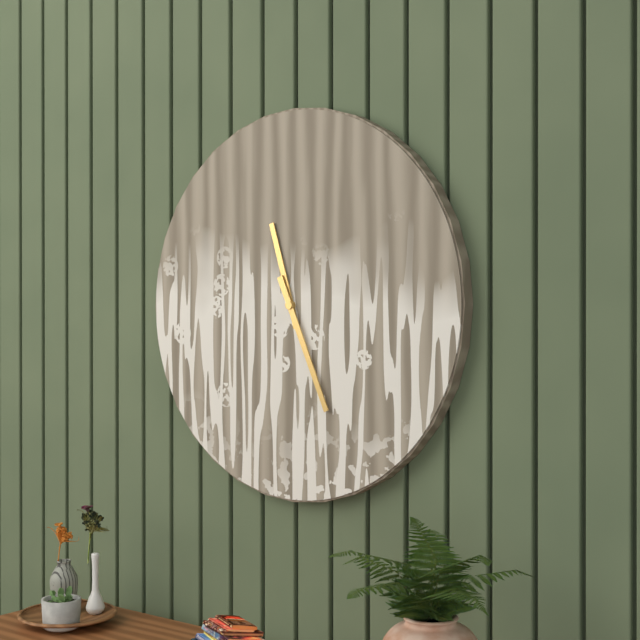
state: 11:26
